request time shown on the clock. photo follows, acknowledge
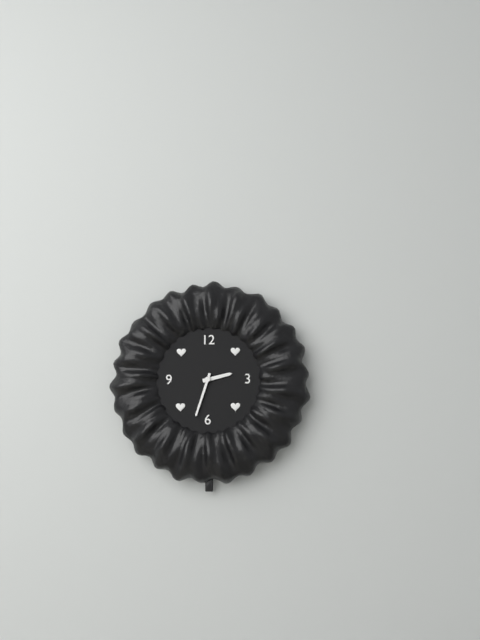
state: 2:33
